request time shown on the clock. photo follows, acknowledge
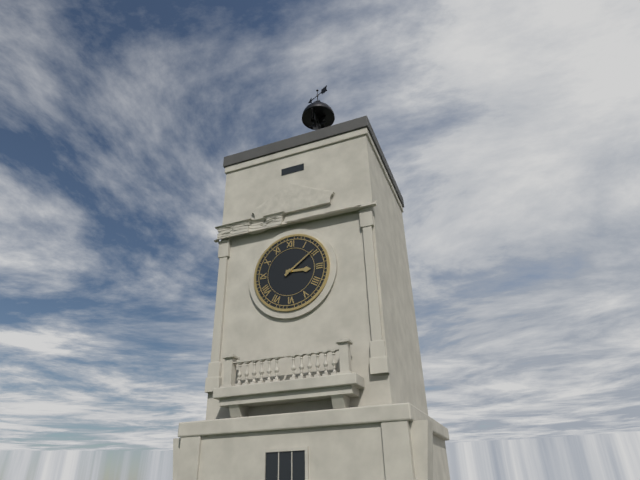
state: 3:09
